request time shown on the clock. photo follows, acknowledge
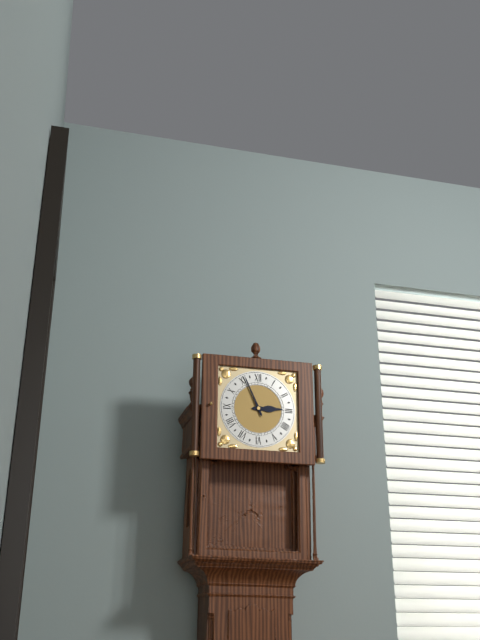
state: 2:56
